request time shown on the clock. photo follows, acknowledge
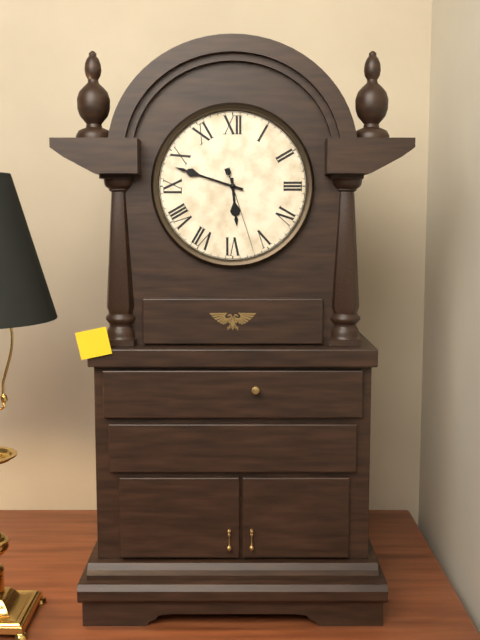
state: 5:48:27
